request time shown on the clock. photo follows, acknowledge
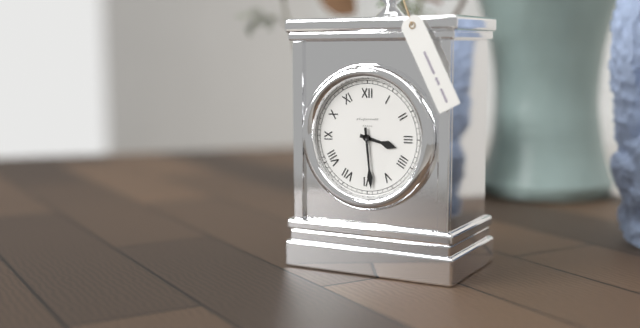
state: 3:29
